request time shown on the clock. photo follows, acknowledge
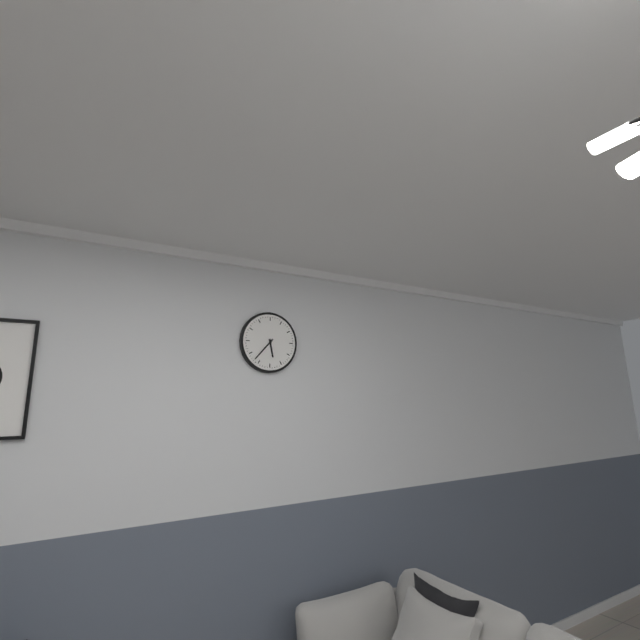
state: 5:37
